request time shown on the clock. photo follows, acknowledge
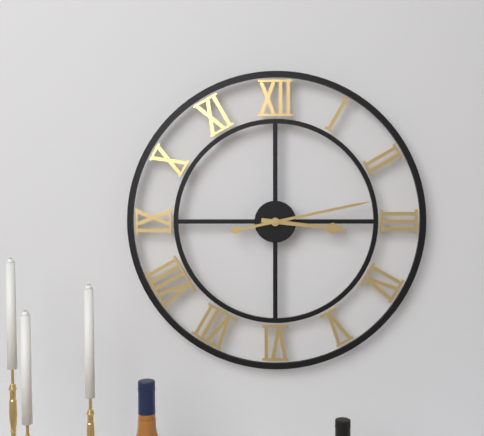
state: 3:13
